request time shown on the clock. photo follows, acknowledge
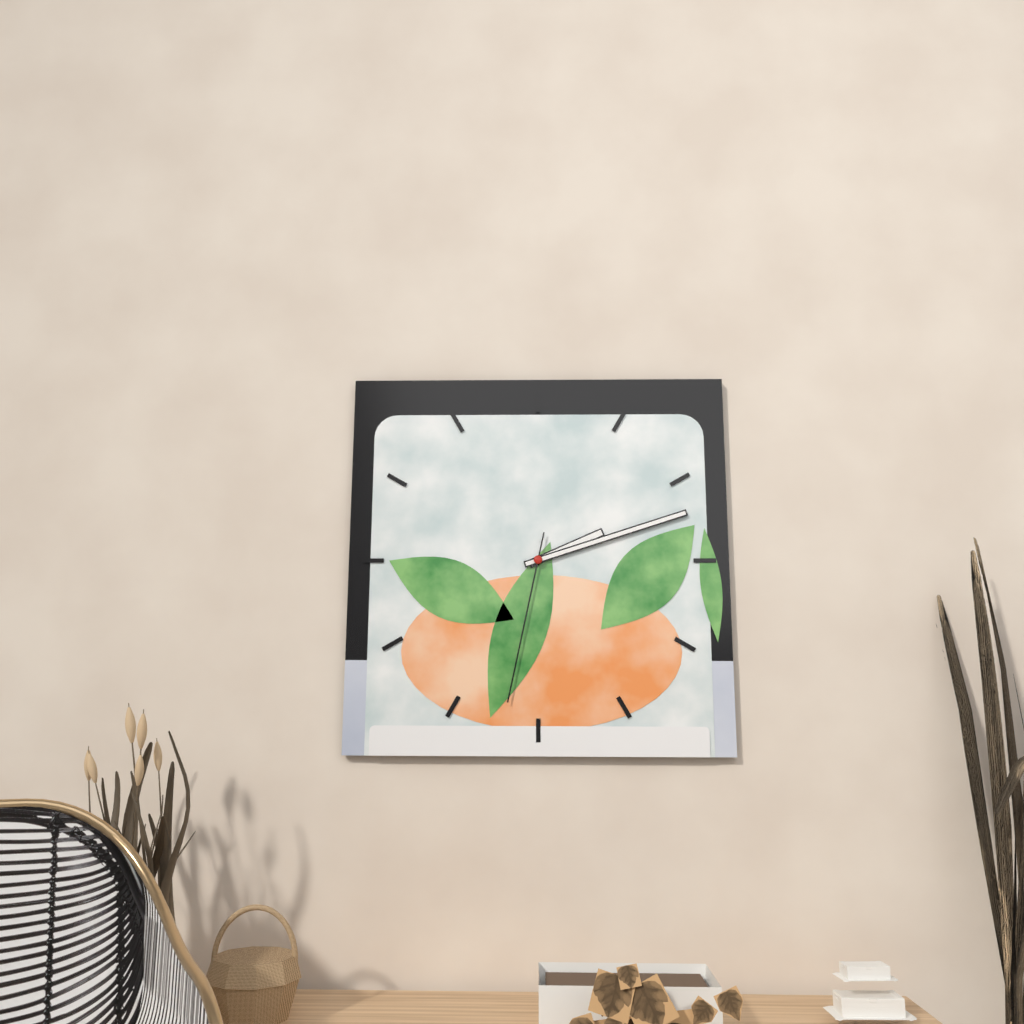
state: 2:12:32
